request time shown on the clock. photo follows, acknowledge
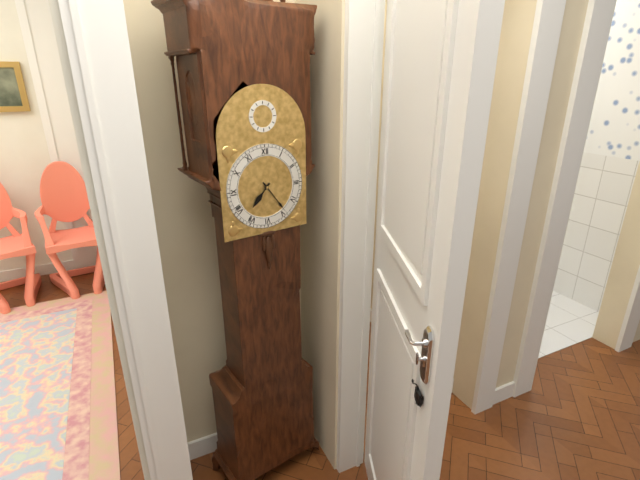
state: 7:24
